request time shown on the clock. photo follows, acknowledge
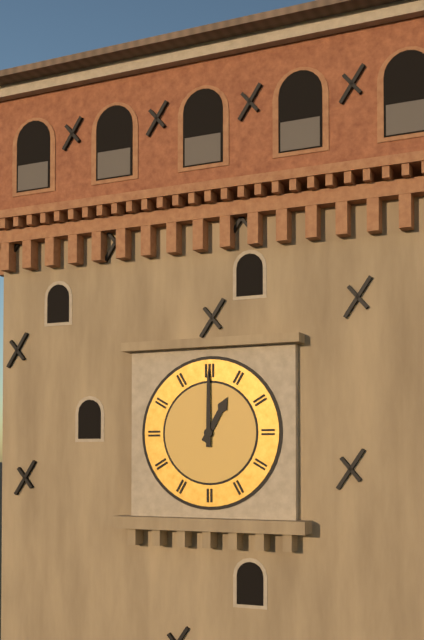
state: 1:00
